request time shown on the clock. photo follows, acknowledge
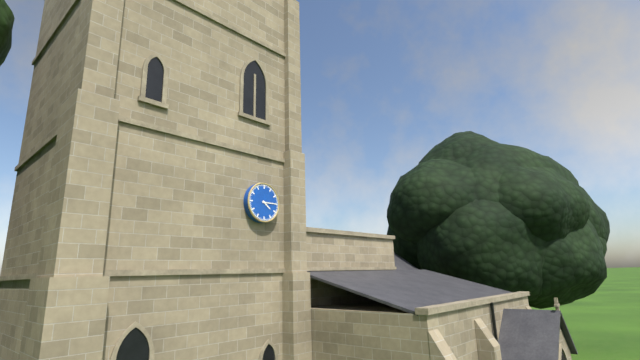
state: 4:15
